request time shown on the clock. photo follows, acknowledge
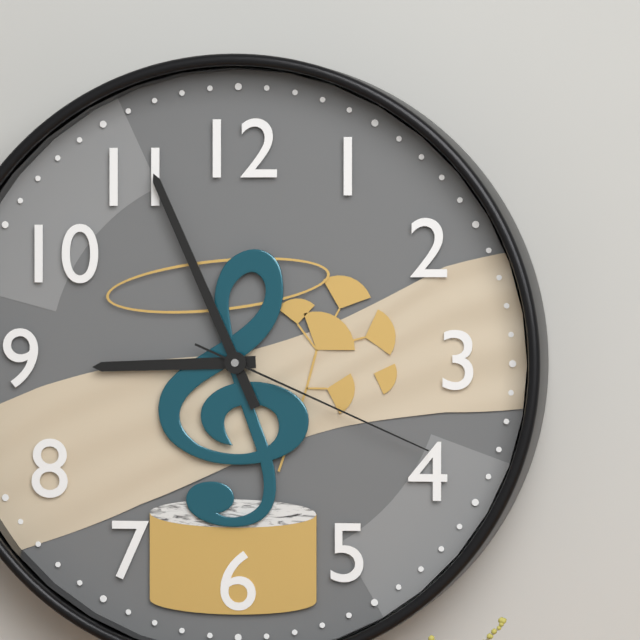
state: 8:56:19
